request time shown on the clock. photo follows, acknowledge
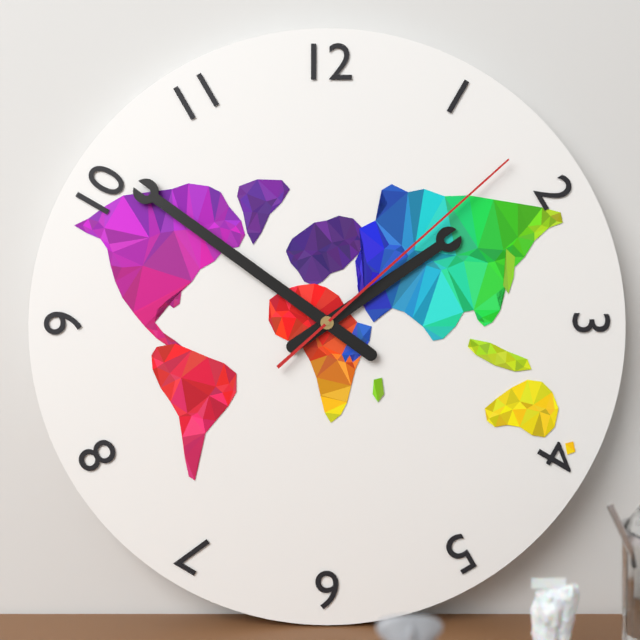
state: 1:51:08
